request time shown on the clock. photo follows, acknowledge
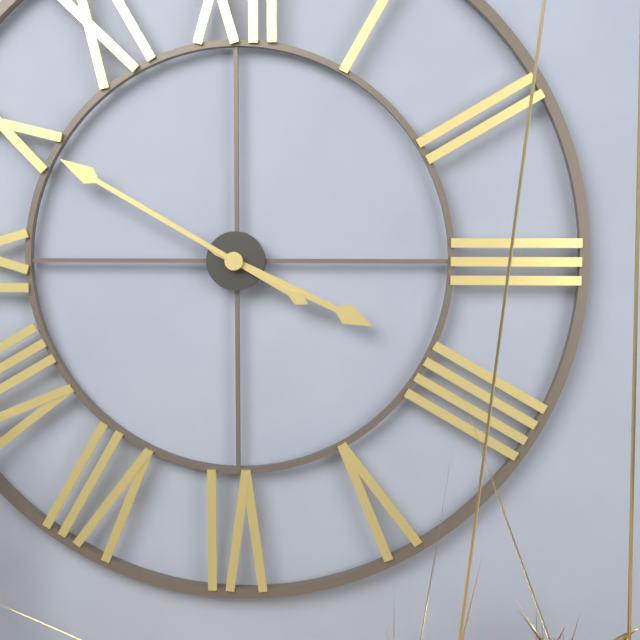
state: 3:50
